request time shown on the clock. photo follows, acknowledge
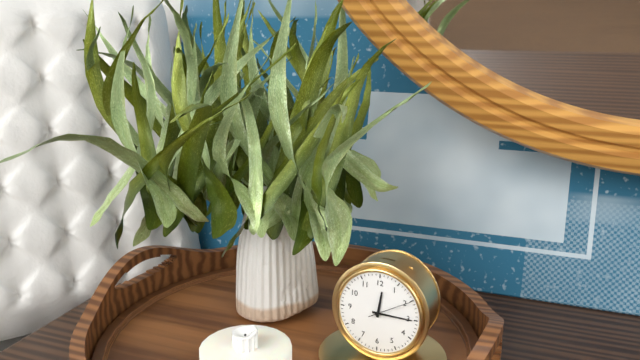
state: 12:15
